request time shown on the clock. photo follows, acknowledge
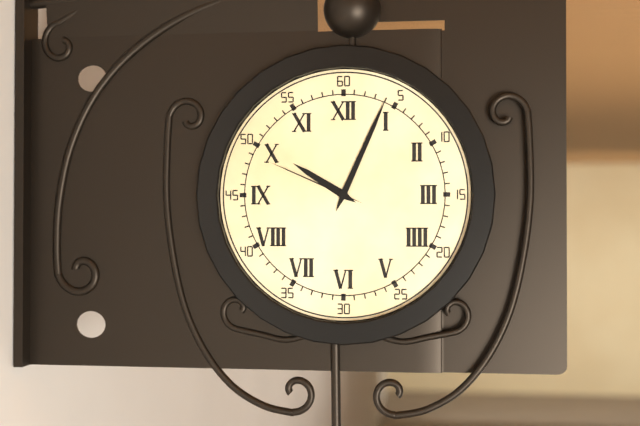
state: 10:04:49
